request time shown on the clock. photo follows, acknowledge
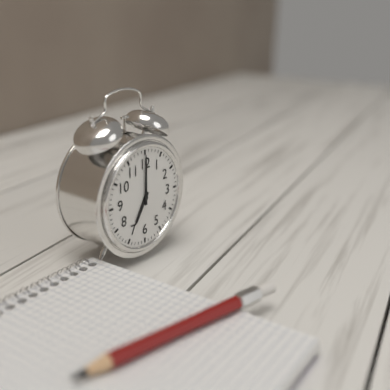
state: 7:00
